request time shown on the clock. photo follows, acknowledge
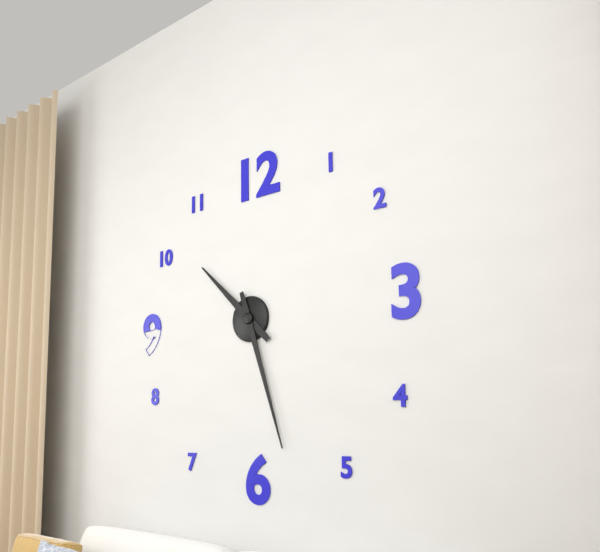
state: 10:27
